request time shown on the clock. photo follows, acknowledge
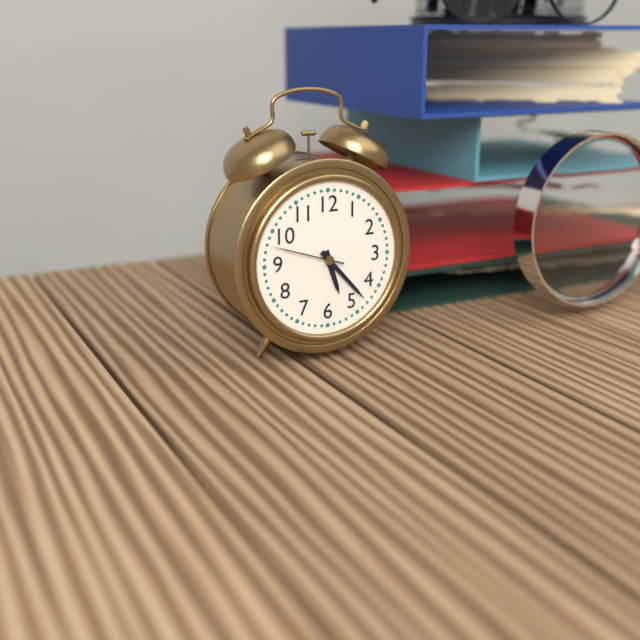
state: 5:23:48
